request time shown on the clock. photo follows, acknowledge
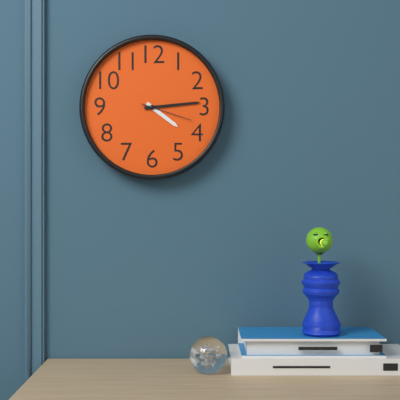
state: 4:14:18
